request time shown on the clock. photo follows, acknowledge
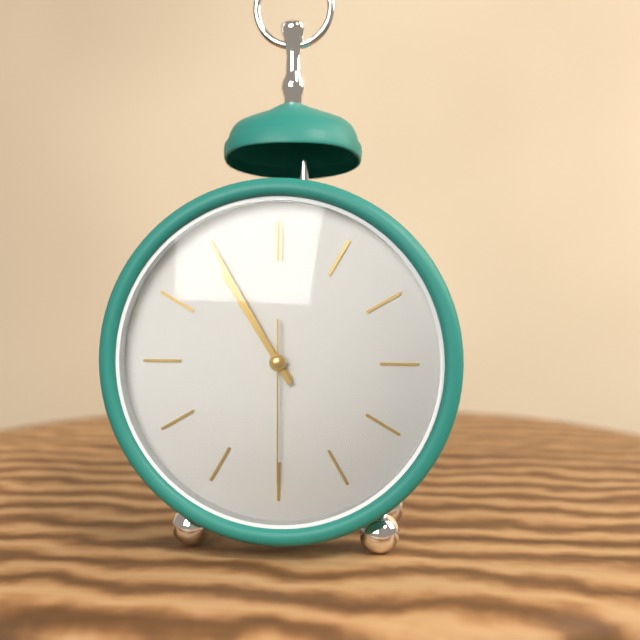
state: 10:55:30
